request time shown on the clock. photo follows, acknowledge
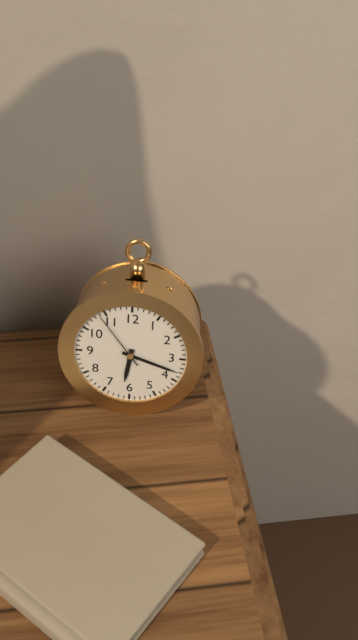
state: 6:18:54
